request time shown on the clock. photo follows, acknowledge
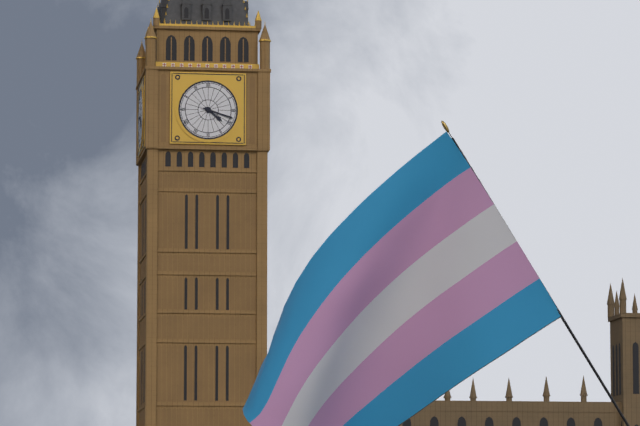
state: 4:18
